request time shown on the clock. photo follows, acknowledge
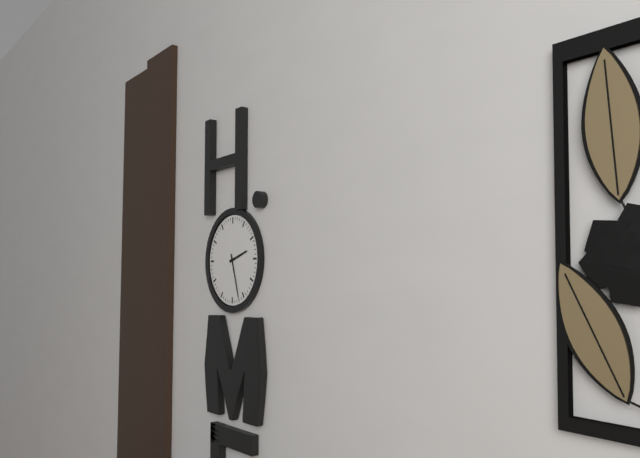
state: 2:27
